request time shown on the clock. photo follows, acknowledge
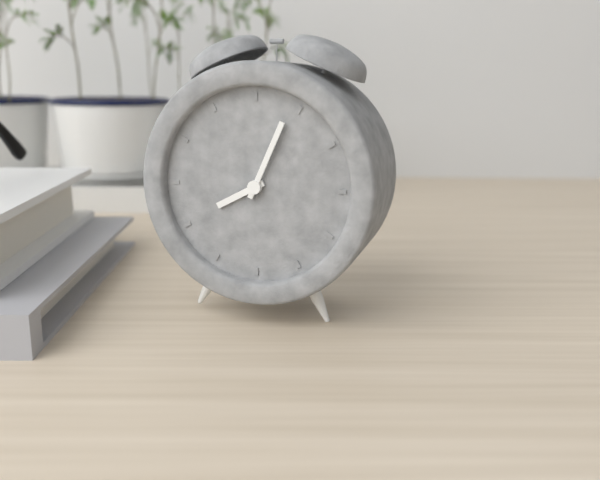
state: 8:04
